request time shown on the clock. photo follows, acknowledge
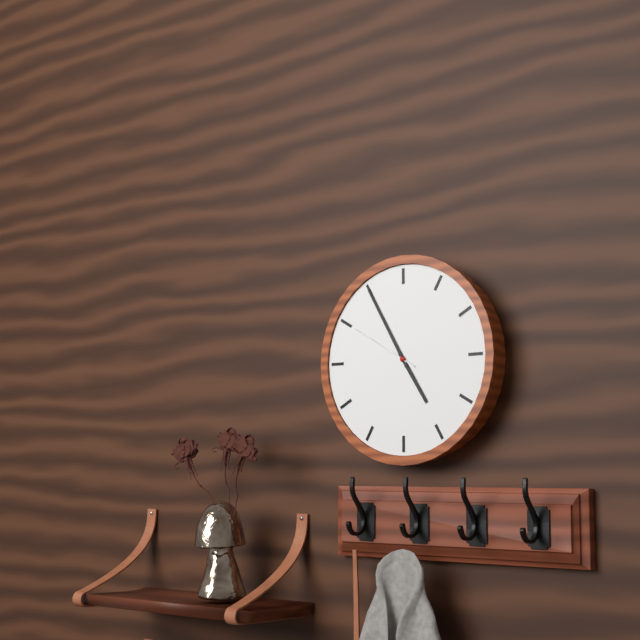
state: 4:55:50
